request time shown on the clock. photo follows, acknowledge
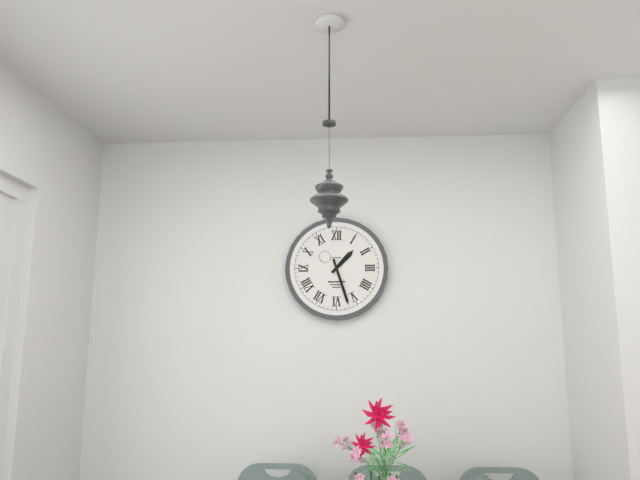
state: 1:27
